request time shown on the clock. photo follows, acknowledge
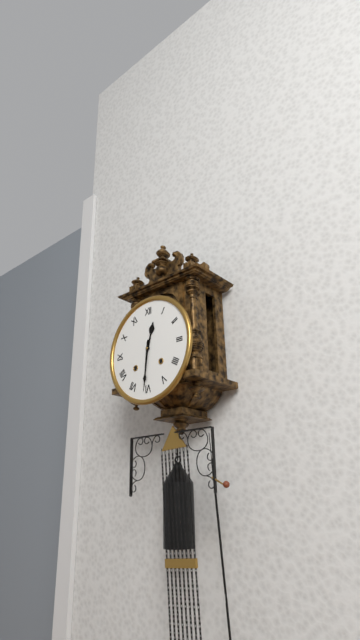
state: 12:31
